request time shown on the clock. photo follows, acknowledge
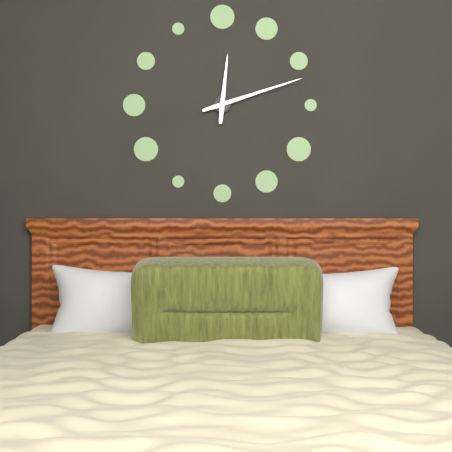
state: 12:12
